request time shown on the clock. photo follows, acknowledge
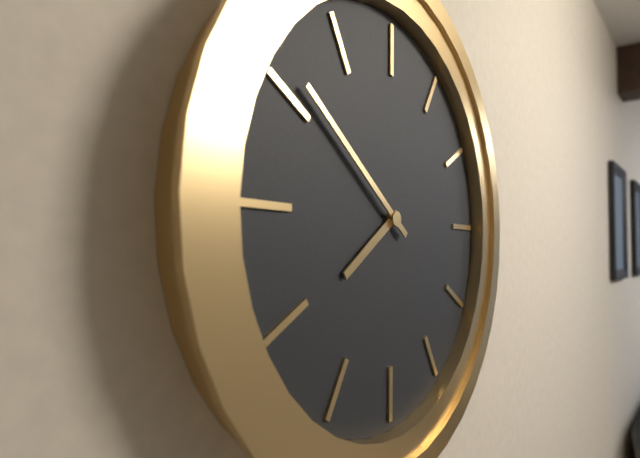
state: 7:51
